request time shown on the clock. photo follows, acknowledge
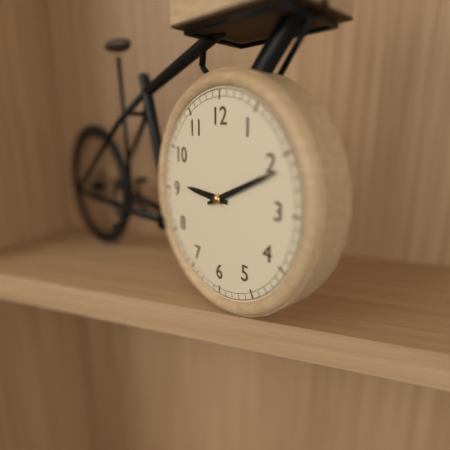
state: 9:11
